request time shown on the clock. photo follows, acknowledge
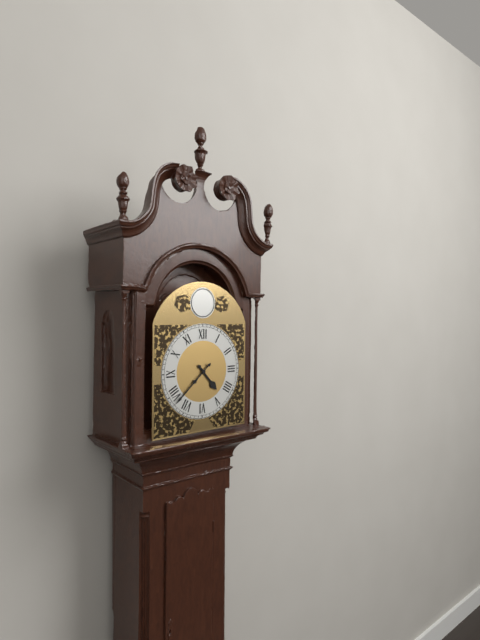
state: 4:38
